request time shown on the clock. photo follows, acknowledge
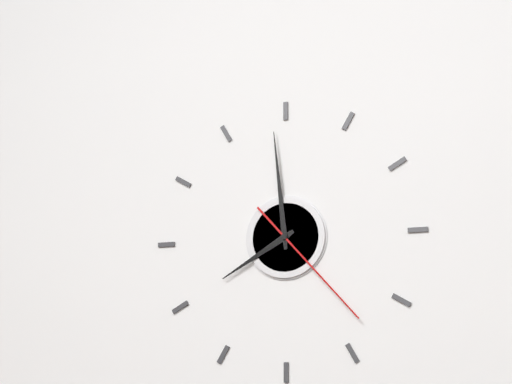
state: 7:59:23
